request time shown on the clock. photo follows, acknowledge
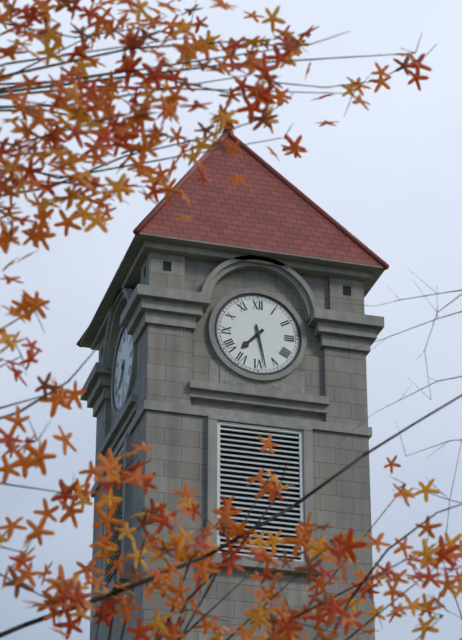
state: 7:28
